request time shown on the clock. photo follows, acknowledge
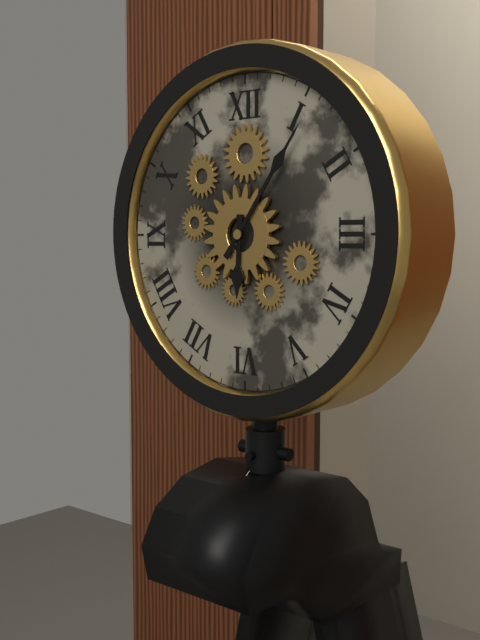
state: 6:06
